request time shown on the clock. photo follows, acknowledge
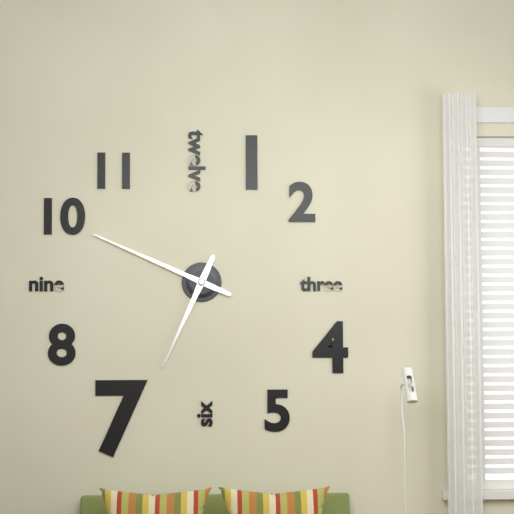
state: 6:49
